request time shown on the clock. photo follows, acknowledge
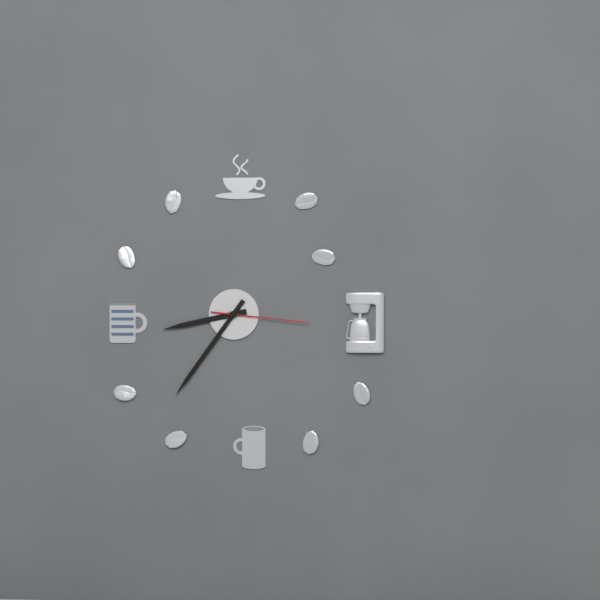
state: 8:36:16
